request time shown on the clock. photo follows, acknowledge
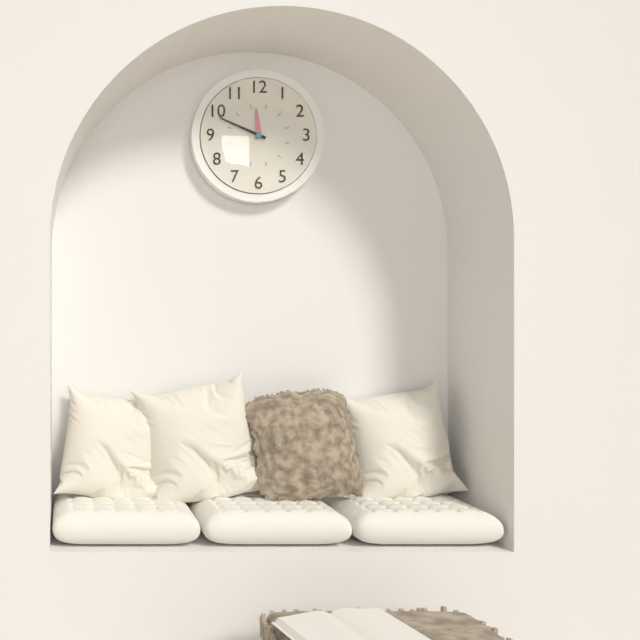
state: 11:49
